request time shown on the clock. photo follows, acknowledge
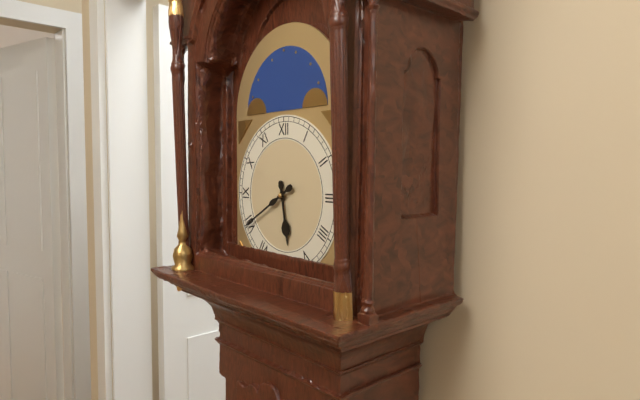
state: 5:40
